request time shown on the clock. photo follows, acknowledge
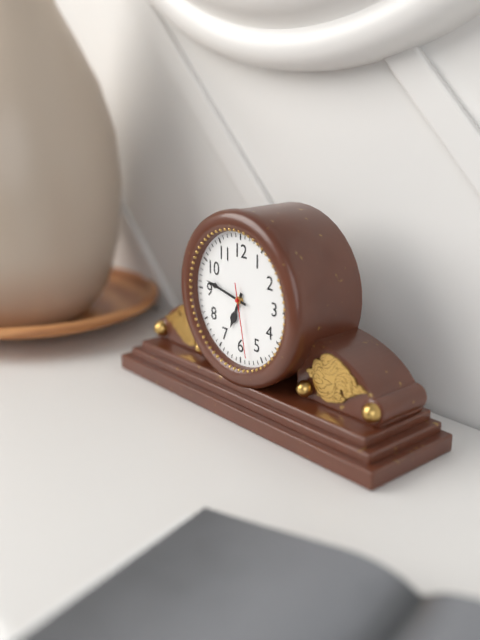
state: 6:47:28
